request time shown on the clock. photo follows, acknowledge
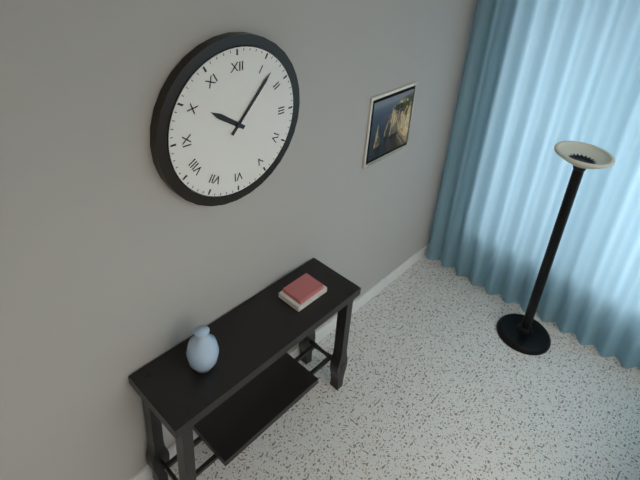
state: 10:07
